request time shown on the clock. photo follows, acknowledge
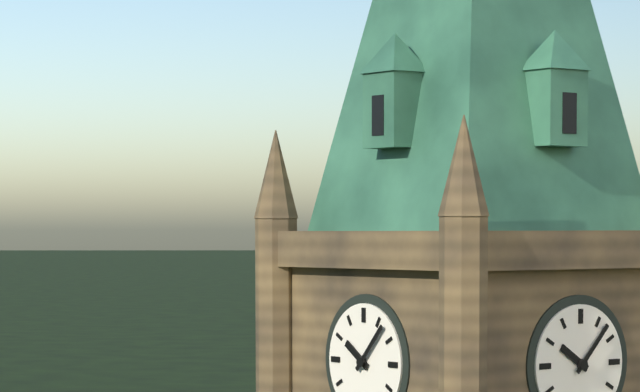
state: 10:07
